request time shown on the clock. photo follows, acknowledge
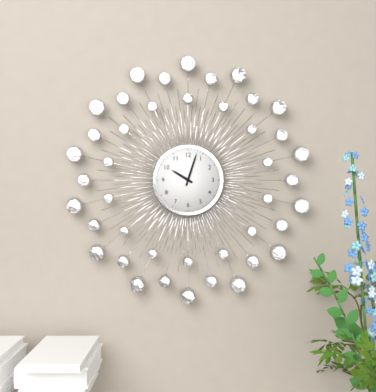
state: 10:03
